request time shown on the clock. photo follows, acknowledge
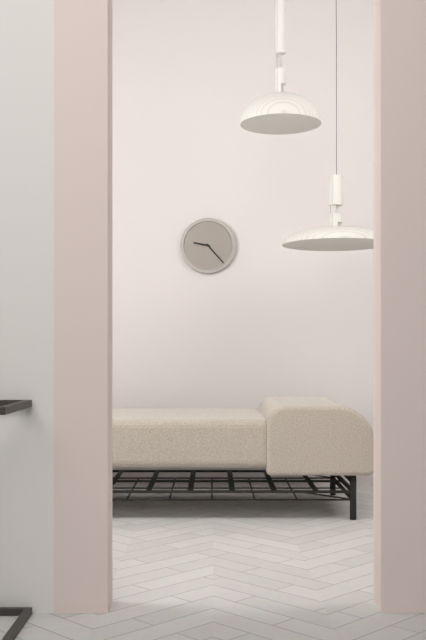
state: 9:23
